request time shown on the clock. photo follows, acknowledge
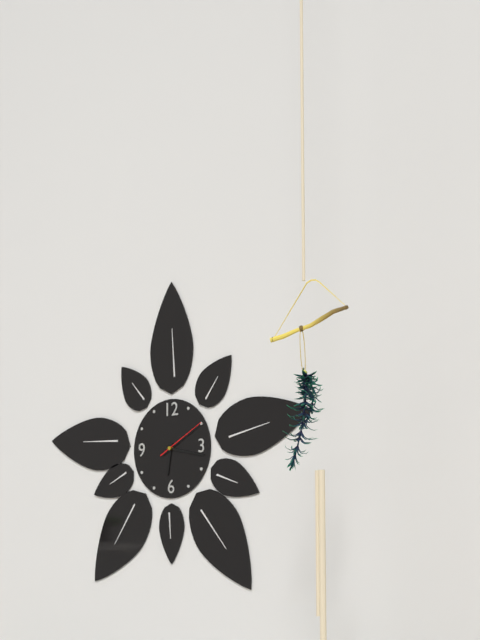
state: 6:17
